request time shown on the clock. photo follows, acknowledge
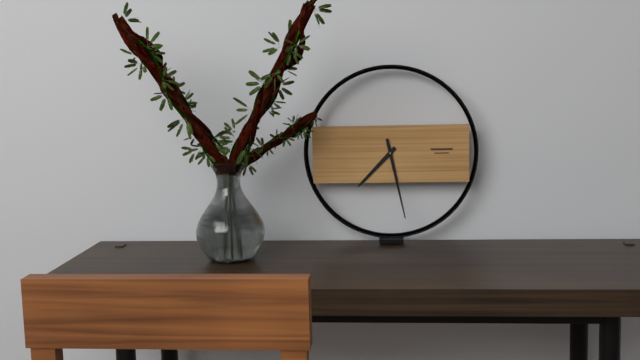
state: 7:28
